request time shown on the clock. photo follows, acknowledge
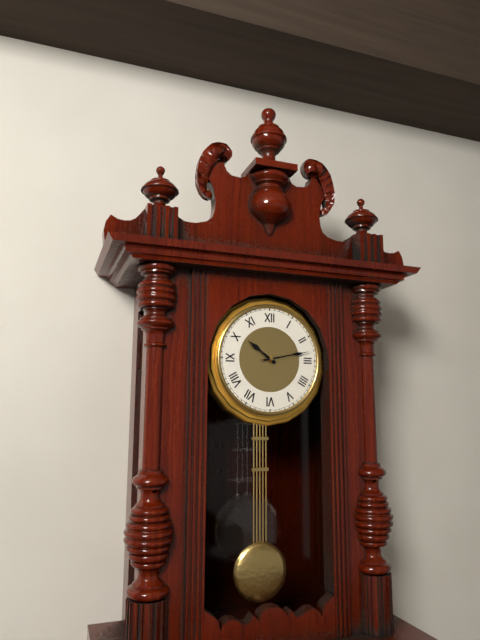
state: 10:13
